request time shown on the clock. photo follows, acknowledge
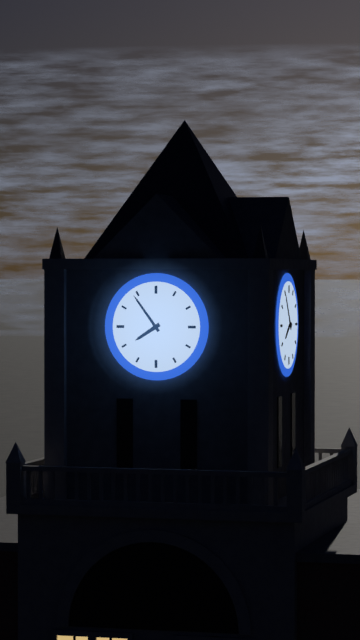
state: 7:54
